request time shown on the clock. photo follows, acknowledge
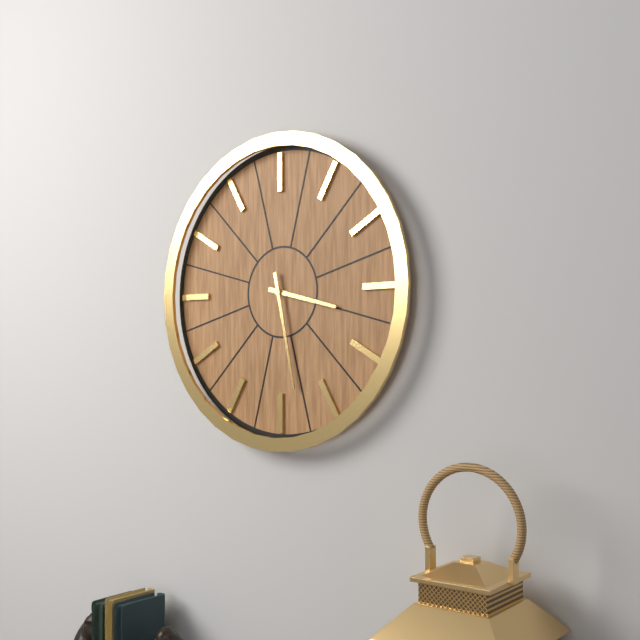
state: 3:28
